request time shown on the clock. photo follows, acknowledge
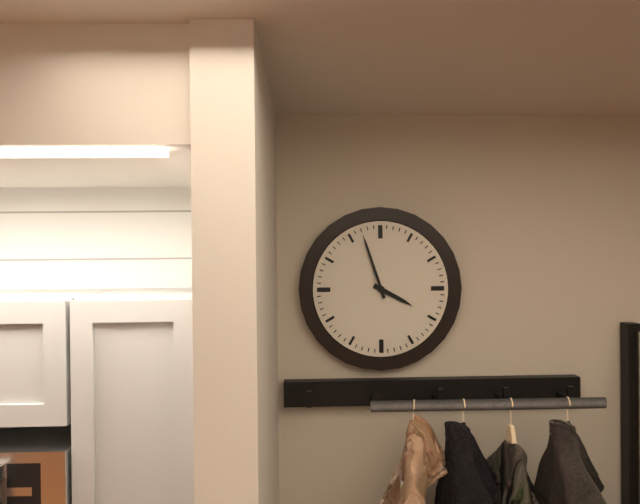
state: 3:57
